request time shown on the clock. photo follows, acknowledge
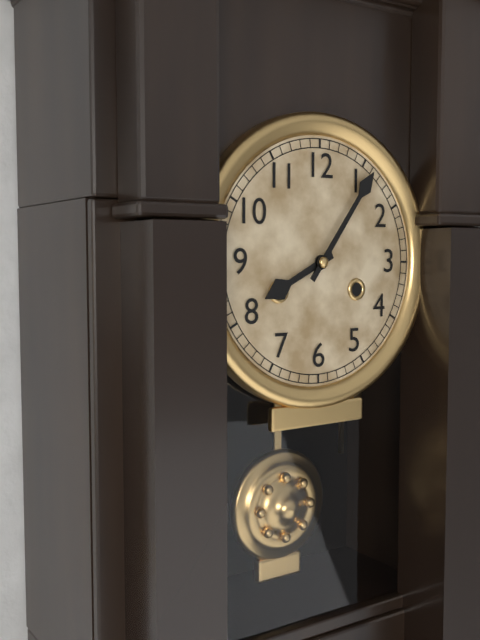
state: 8:06
